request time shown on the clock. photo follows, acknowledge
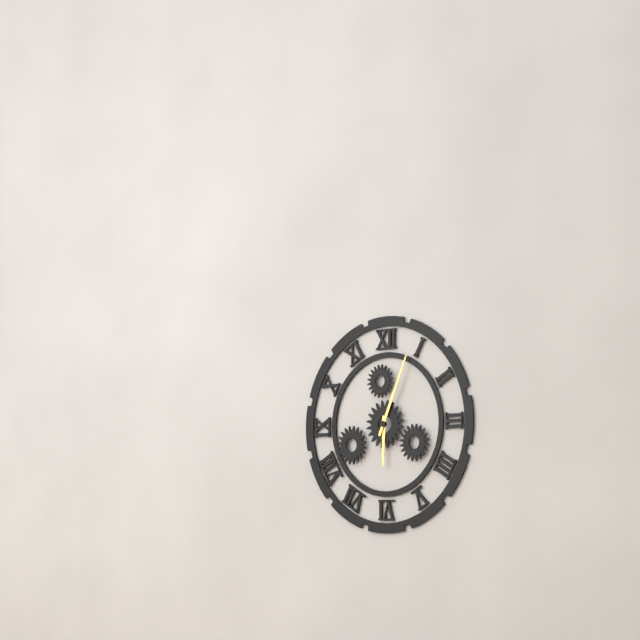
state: 6:04
